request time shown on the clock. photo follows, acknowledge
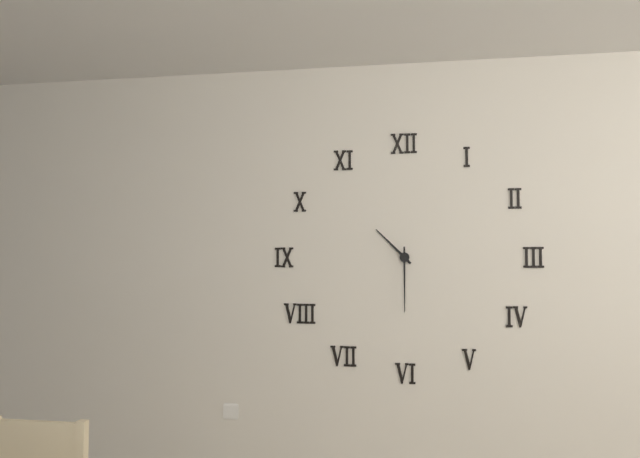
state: 10:30
